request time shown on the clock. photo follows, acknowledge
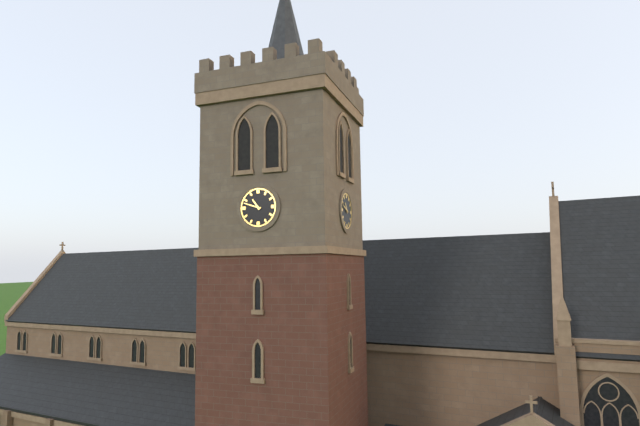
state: 10:48
